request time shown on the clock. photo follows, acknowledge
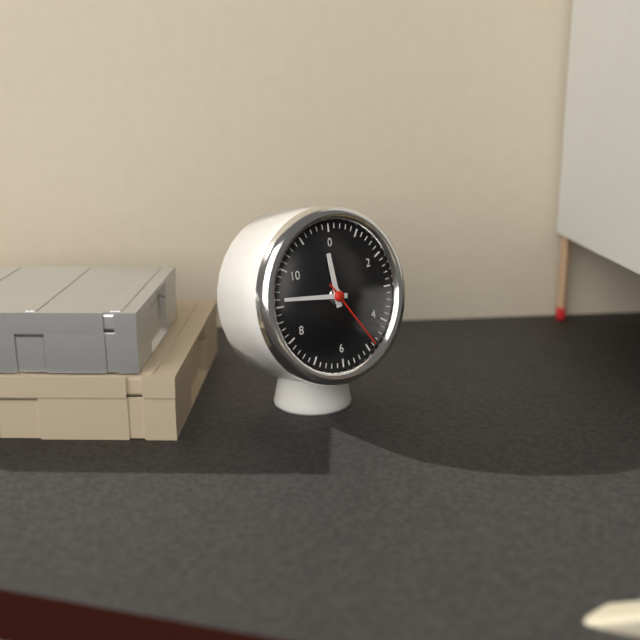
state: 11:46:24
